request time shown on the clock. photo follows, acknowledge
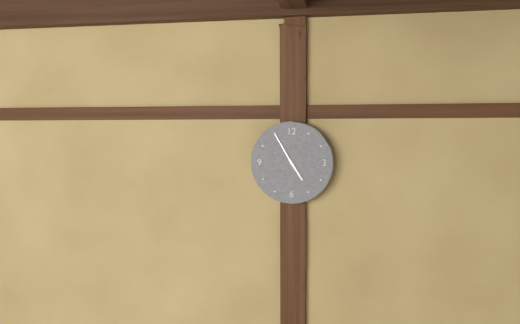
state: 4:55
